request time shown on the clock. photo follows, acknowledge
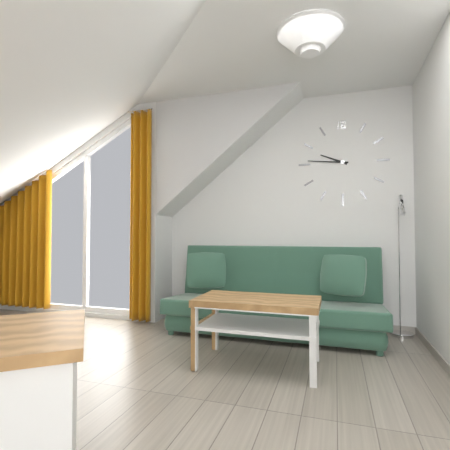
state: 9:46
